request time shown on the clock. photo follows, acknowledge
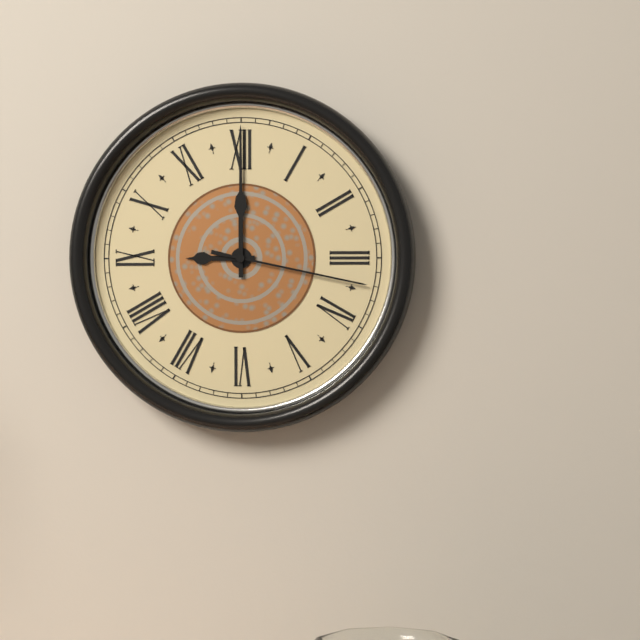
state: 9:00:17
